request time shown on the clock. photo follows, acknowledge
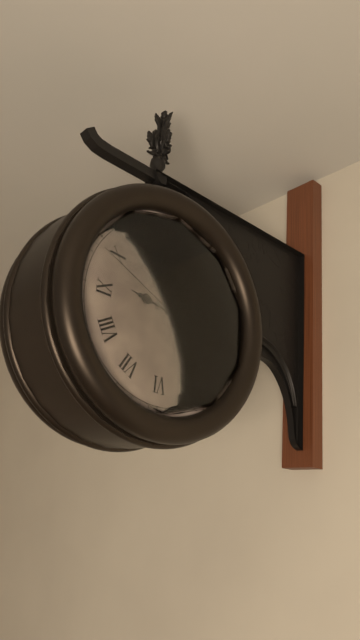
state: 9:18:49
